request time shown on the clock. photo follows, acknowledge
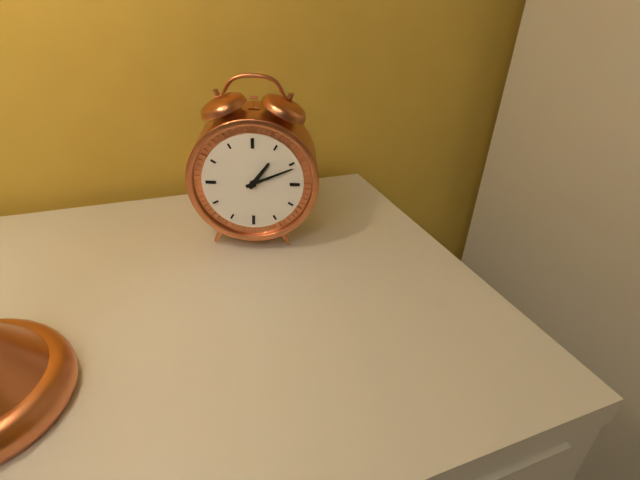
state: 1:11
